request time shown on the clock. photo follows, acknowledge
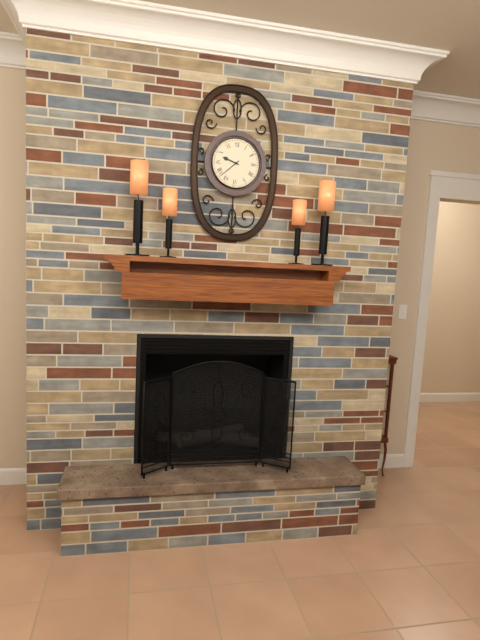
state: 9:38
